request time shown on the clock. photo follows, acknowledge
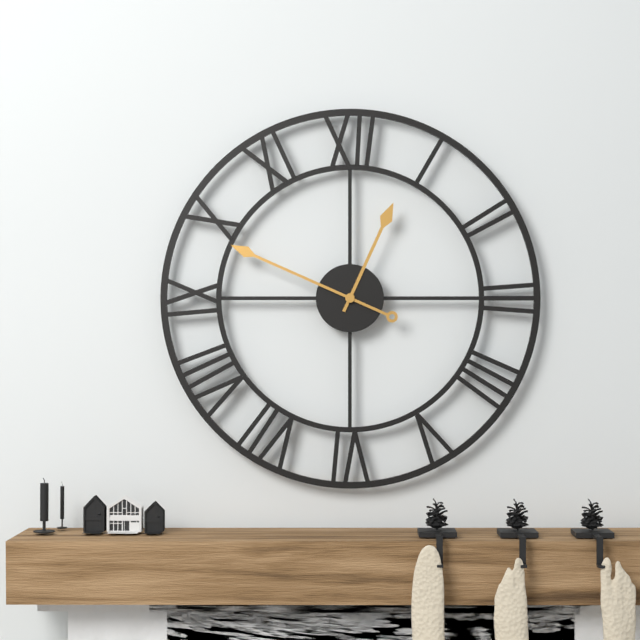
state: 12:49
